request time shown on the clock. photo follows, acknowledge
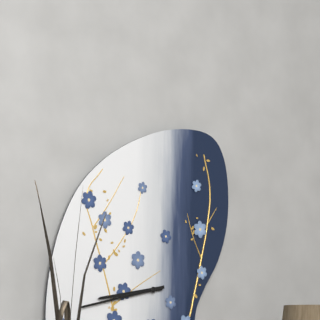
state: 8:43
